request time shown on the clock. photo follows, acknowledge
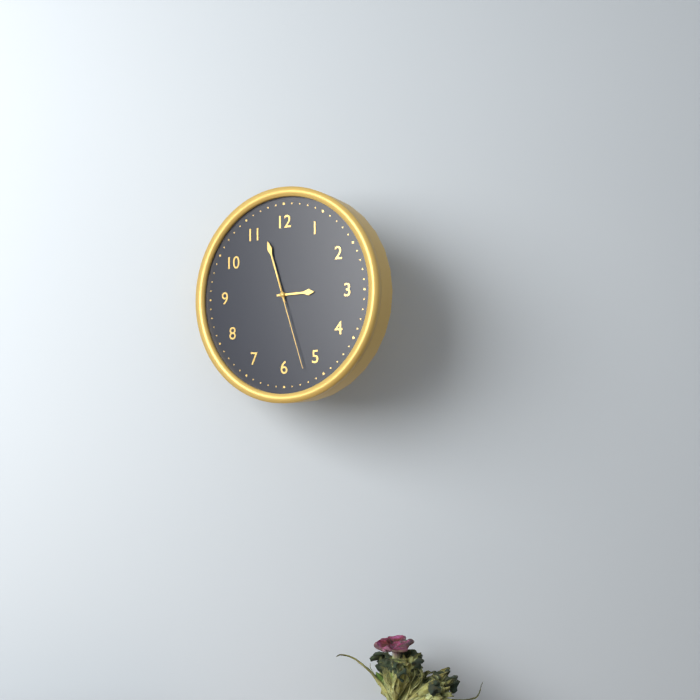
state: 2:57:27
